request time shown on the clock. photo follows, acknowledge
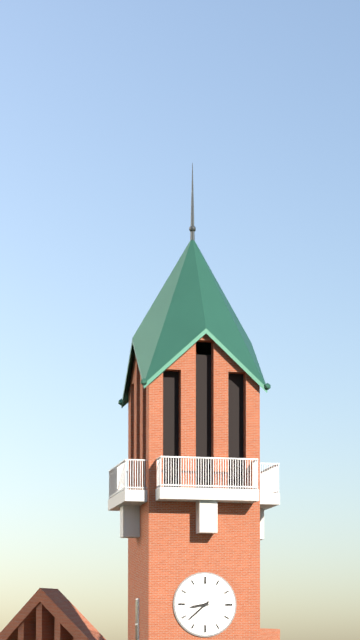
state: 8:38
